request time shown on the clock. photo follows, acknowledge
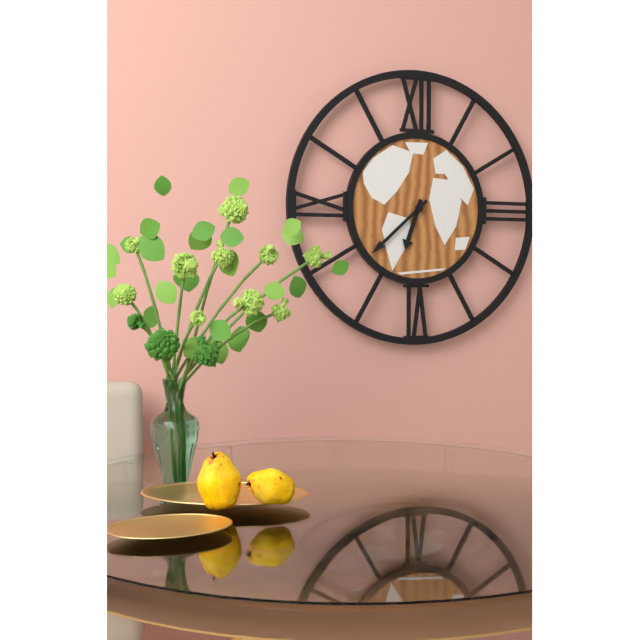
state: 6:38
